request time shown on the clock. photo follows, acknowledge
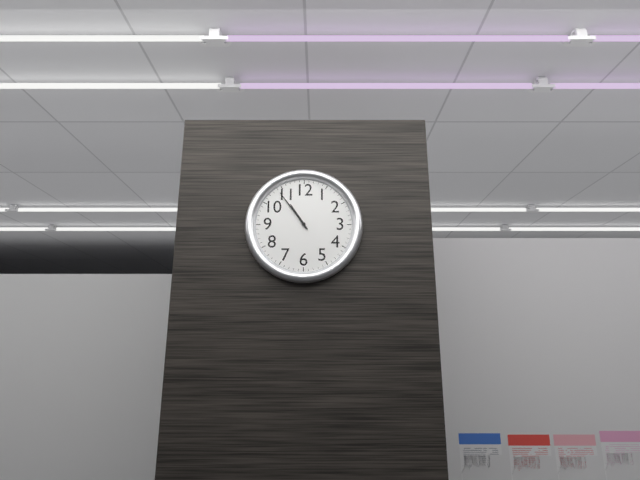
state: 10:54
